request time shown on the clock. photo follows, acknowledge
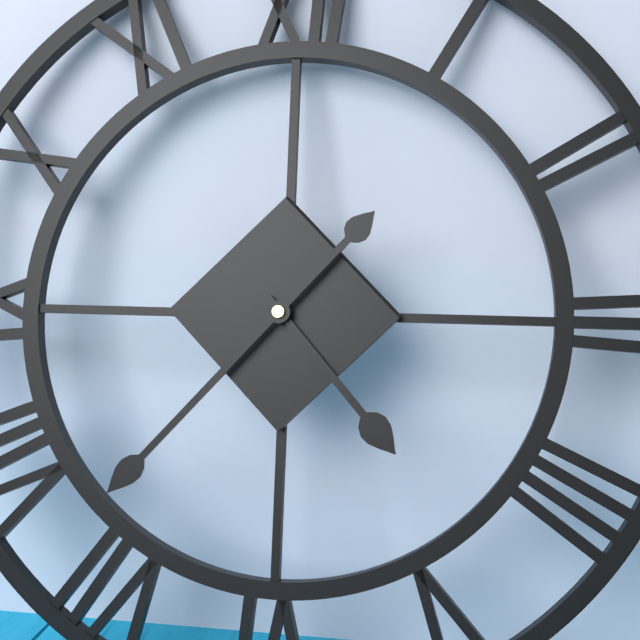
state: 4:37
